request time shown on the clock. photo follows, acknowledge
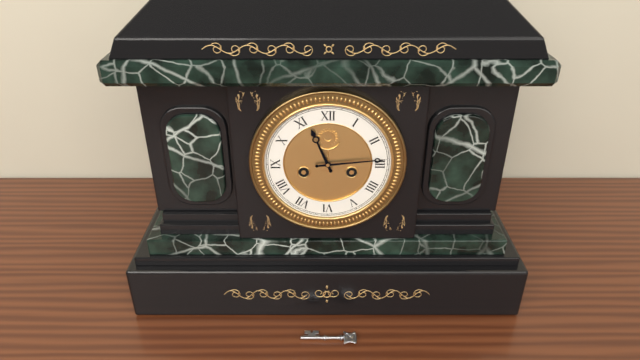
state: 11:14
